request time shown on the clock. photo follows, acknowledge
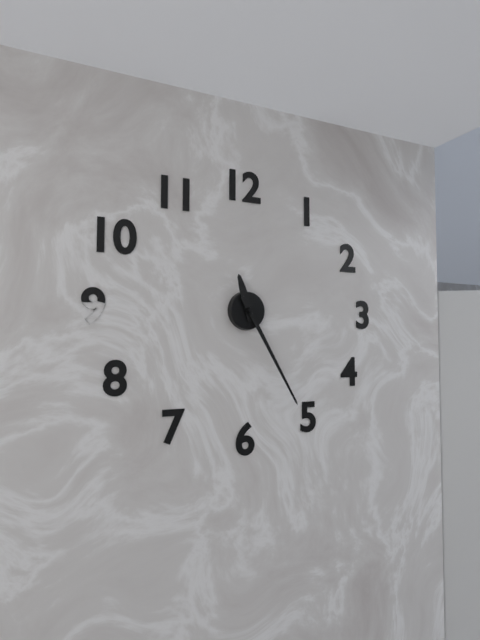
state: 11:25
